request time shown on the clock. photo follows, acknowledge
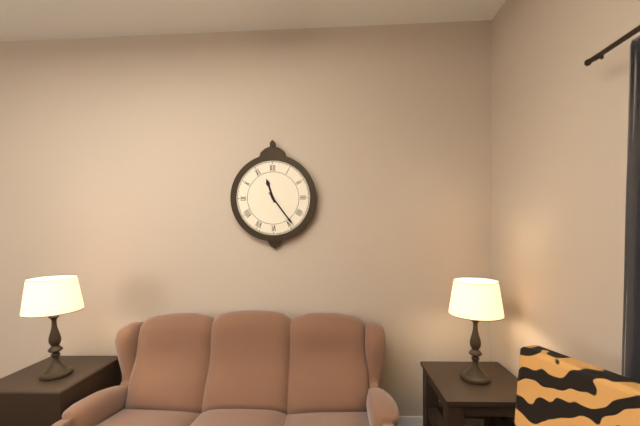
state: 11:24
